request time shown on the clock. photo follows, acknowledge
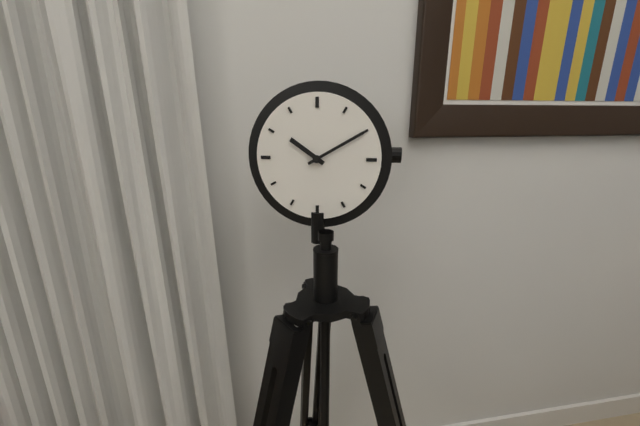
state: 10:10
